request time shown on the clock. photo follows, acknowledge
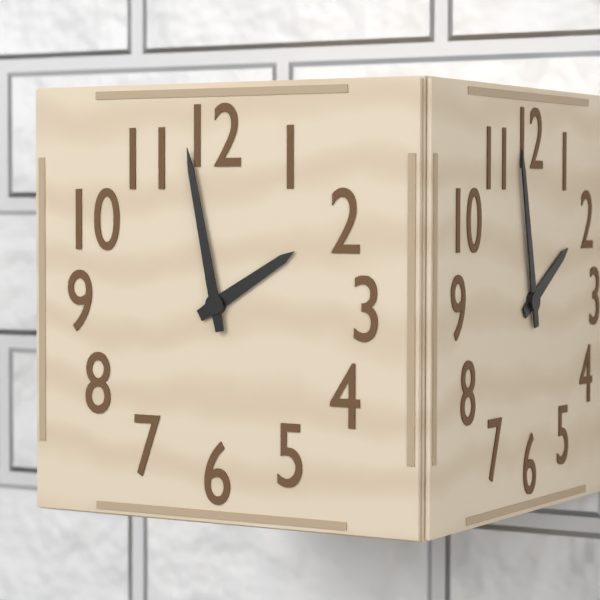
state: 1:58
